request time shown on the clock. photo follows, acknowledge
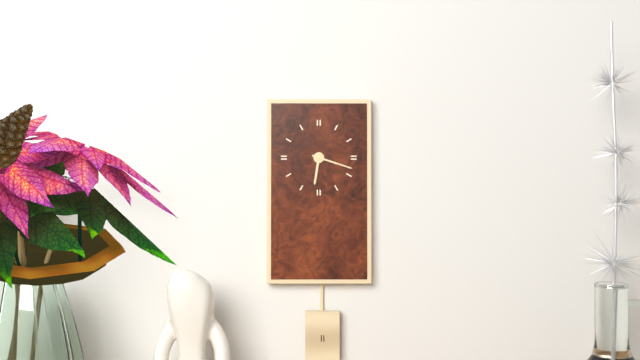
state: 6:18
